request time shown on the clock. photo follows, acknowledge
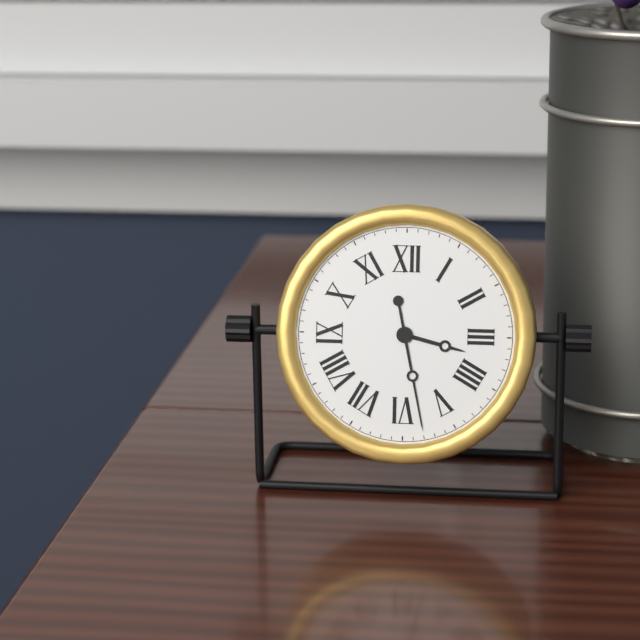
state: 3:28
